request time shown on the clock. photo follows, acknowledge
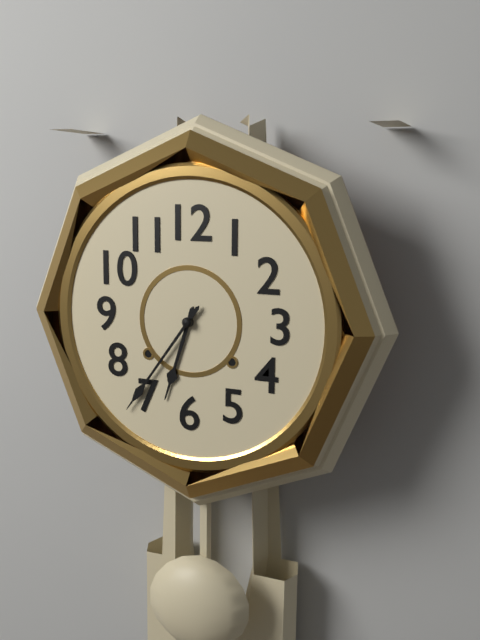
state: 6:36
